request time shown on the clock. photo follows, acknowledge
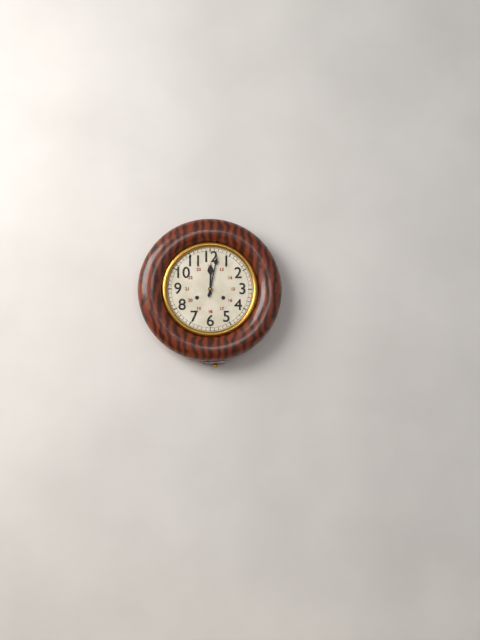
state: 12:02
